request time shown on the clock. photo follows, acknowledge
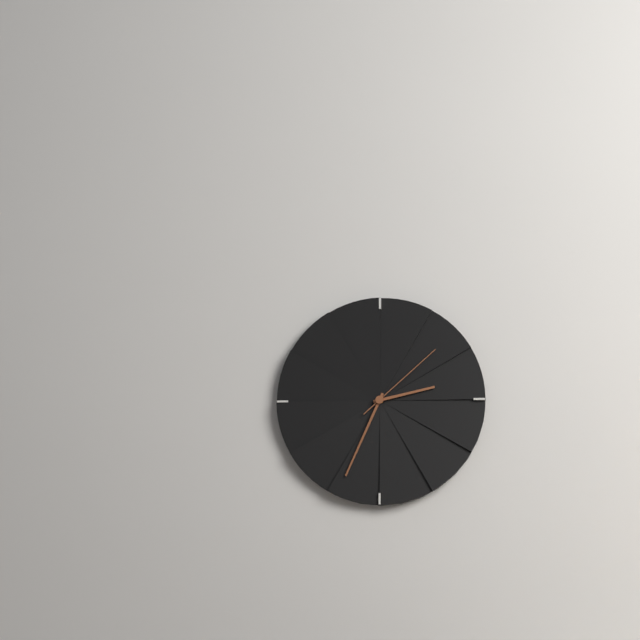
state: 2:34:08
